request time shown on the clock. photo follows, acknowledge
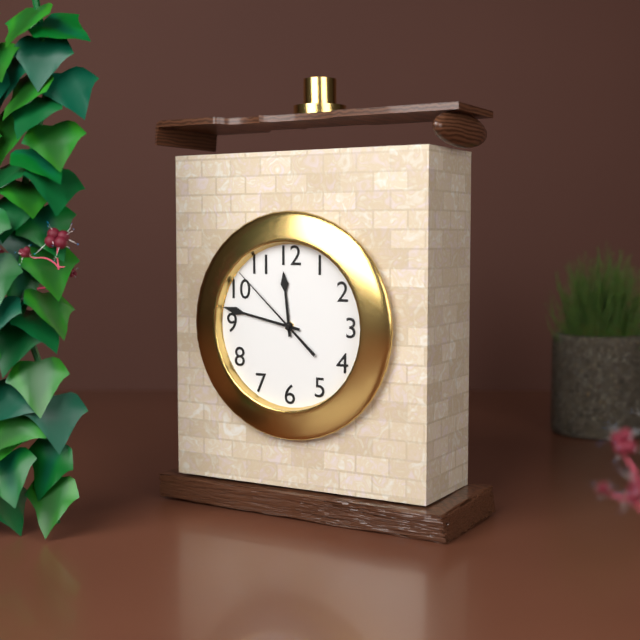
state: 11:47:52
